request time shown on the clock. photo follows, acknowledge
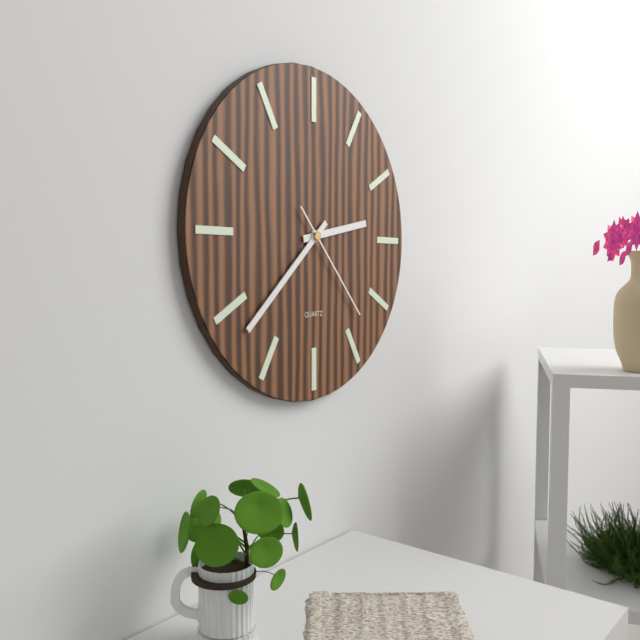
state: 2:38:23
